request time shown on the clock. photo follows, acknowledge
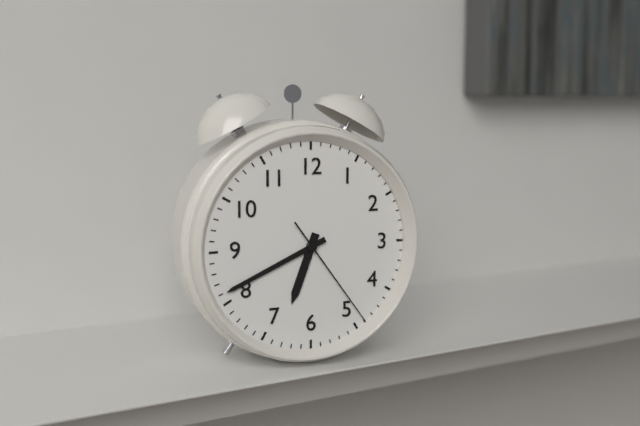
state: 6:41:24
